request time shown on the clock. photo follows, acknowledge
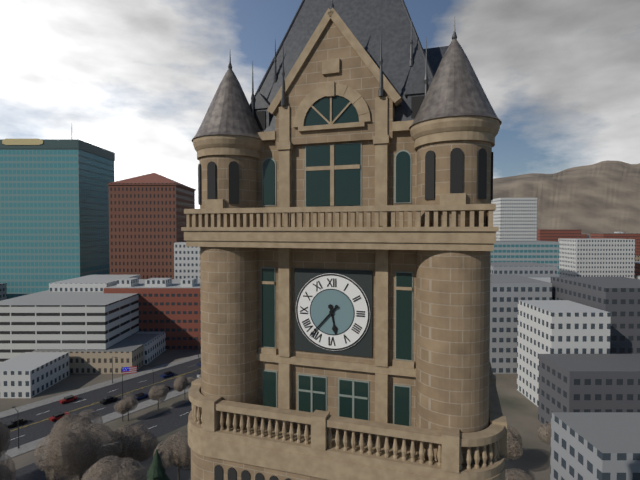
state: 5:37
